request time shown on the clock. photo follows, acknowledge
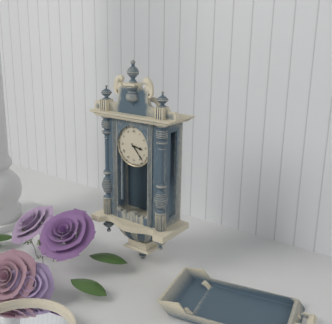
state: 3:23
